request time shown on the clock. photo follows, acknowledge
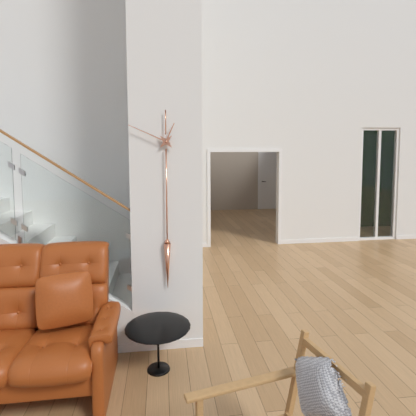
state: 12:49
